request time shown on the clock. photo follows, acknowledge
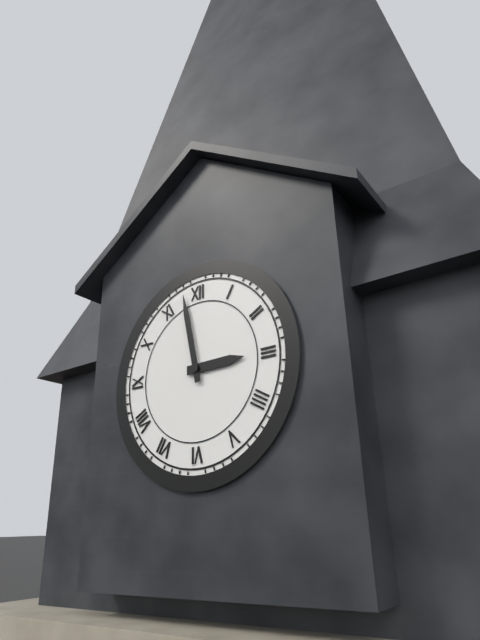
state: 2:58
